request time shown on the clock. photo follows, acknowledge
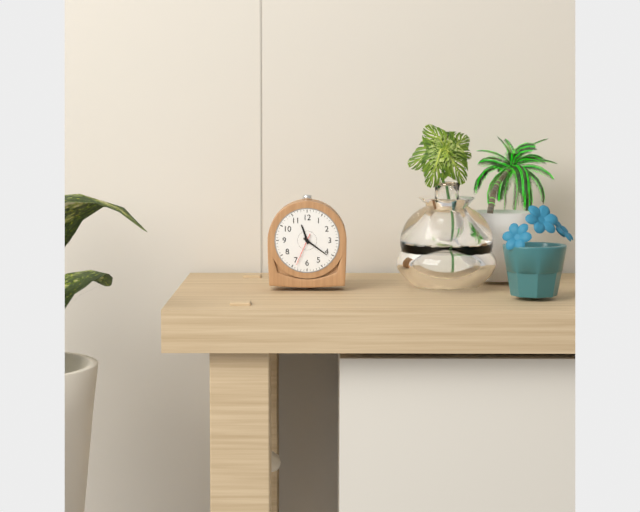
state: 11:21
